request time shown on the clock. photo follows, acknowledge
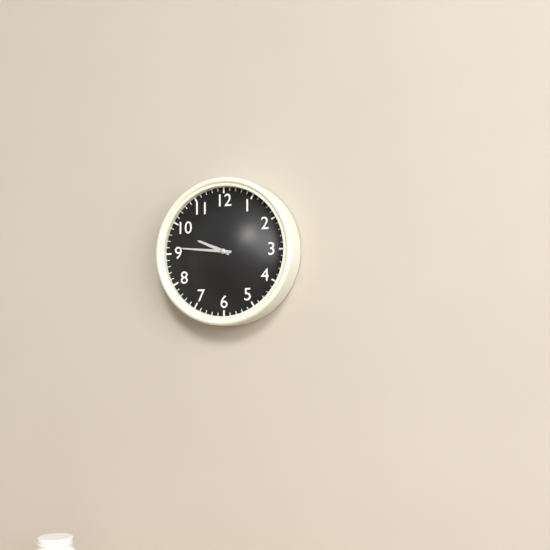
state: 9:46
